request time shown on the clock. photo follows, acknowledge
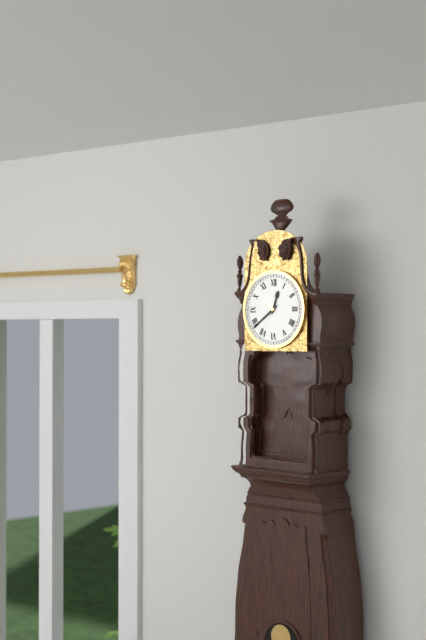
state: 12:39
